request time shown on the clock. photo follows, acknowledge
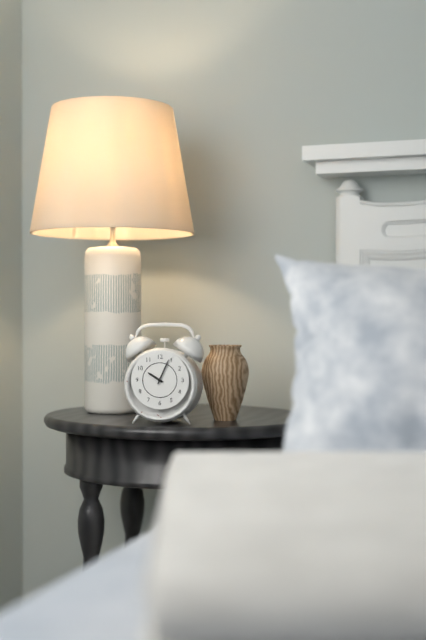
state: 10:04
